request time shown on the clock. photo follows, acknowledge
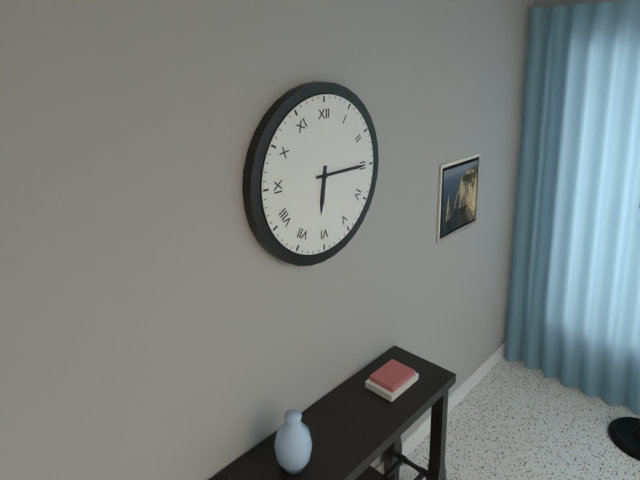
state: 6:15
